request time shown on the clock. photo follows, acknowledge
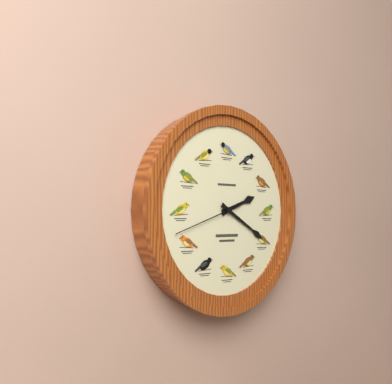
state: 2:20:42
